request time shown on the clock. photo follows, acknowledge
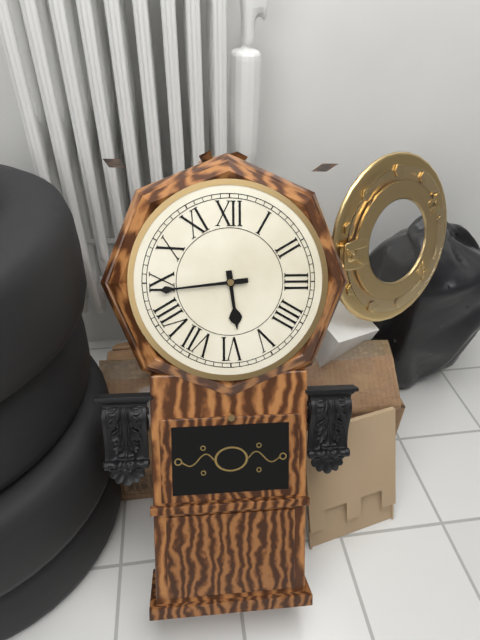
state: 5:44
